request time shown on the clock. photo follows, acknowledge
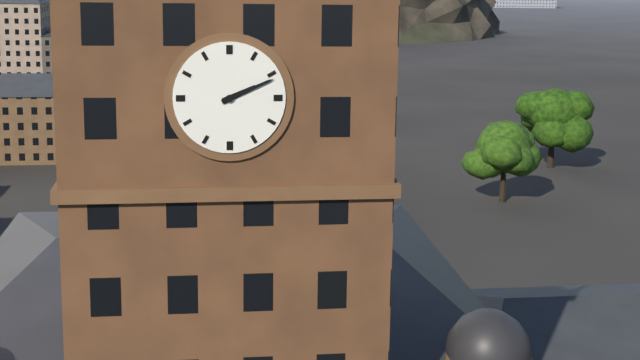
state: 2:11
